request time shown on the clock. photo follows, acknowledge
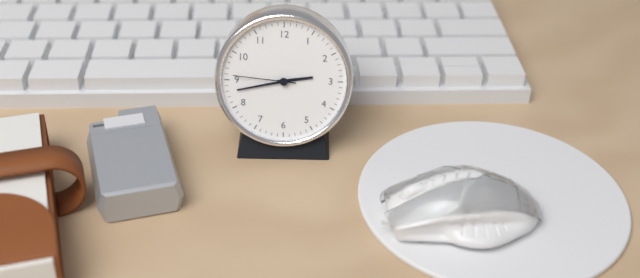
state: 2:43:46
